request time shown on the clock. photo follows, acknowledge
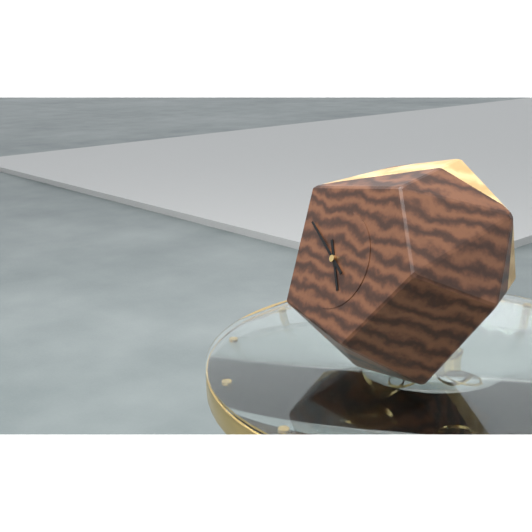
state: 4:50
